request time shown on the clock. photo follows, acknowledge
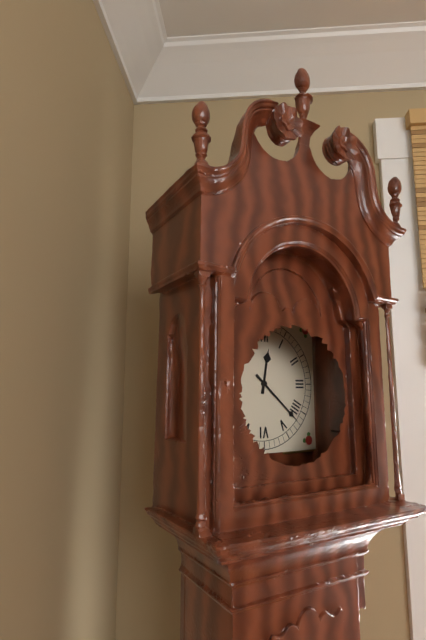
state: 12:22
